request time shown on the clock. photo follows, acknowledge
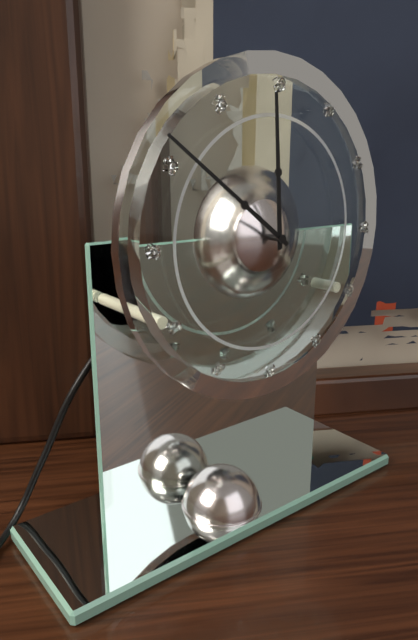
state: 11:51
